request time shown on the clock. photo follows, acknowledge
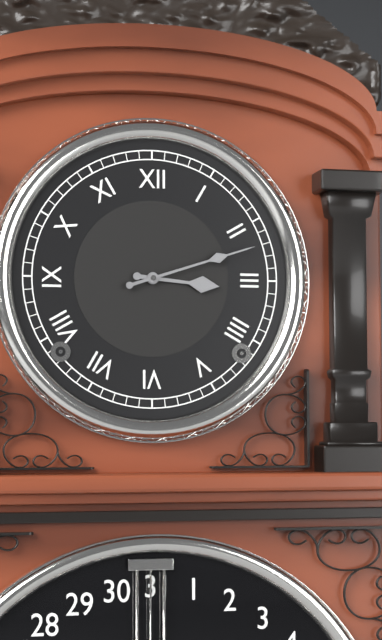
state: 3:12
